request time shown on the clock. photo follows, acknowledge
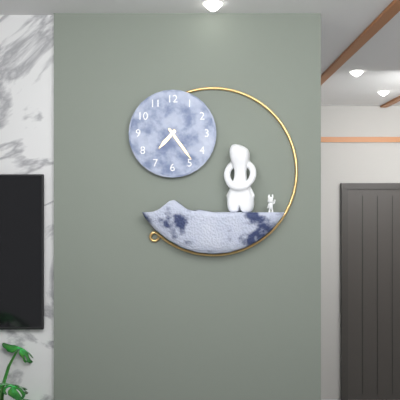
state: 7:24
